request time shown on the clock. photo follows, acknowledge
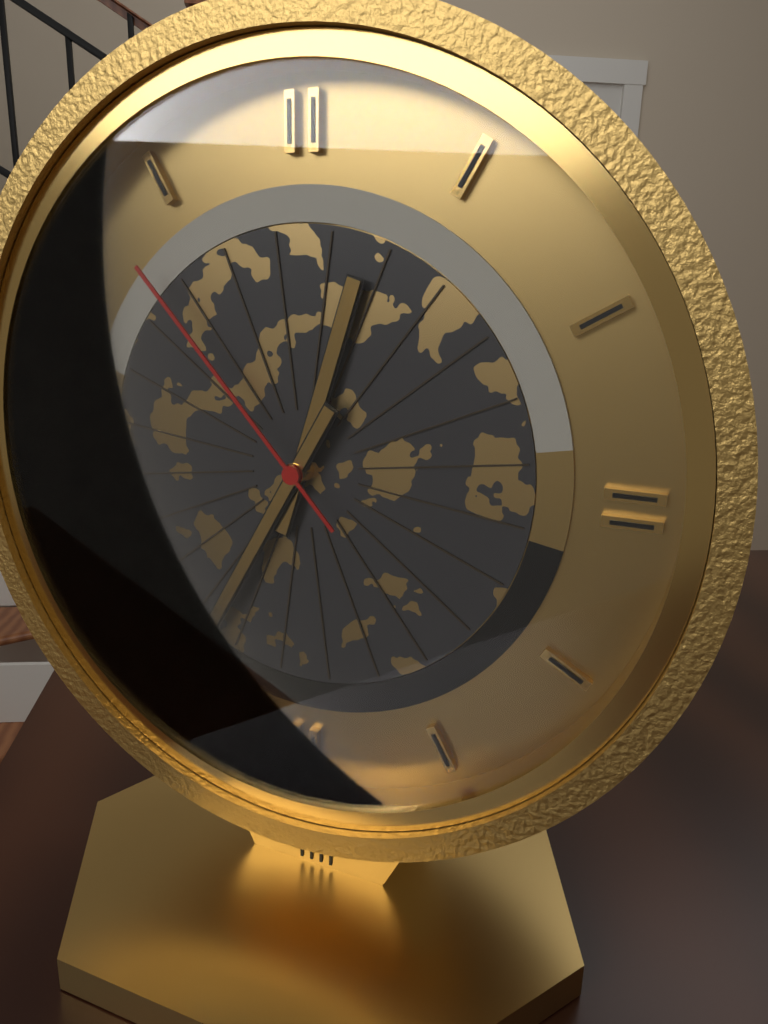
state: 12:35:53
